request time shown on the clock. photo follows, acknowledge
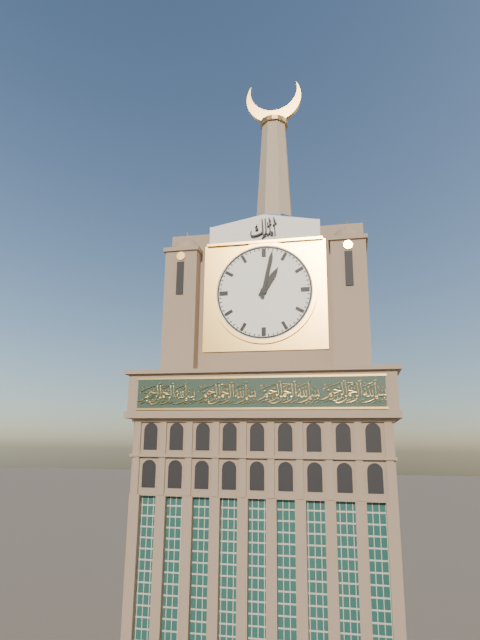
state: 1:02
